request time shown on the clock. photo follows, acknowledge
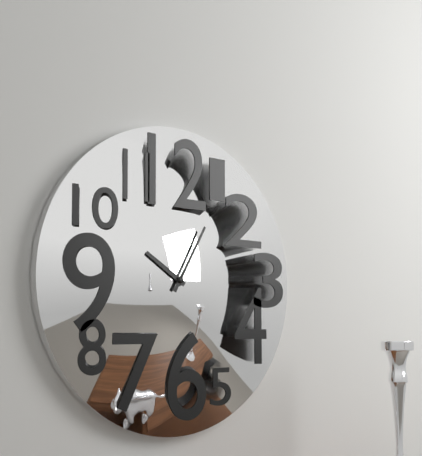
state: 10:05
